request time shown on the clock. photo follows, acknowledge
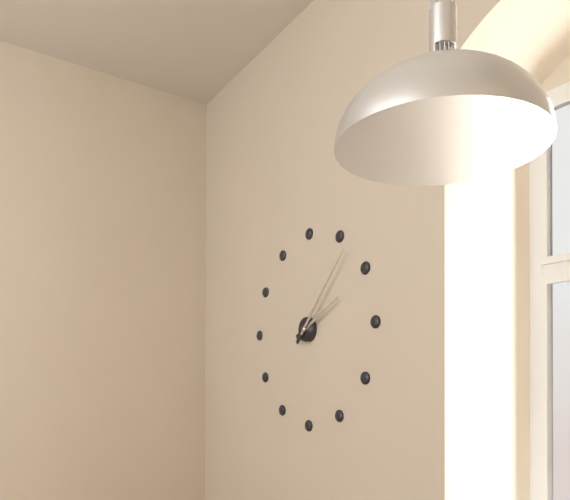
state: 2:07
